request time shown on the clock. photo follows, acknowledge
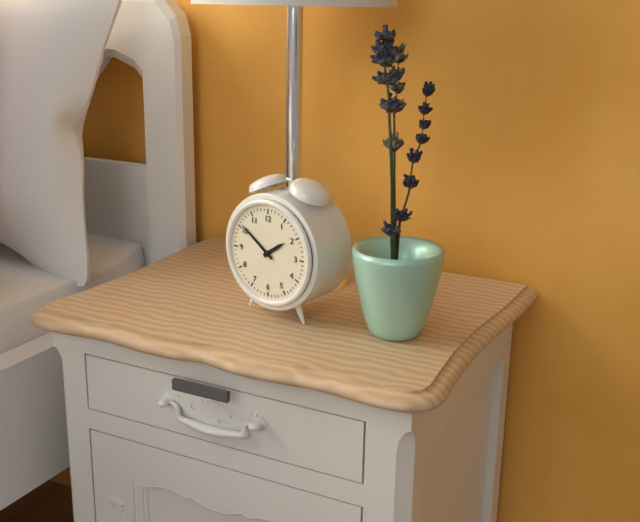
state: 1:51
